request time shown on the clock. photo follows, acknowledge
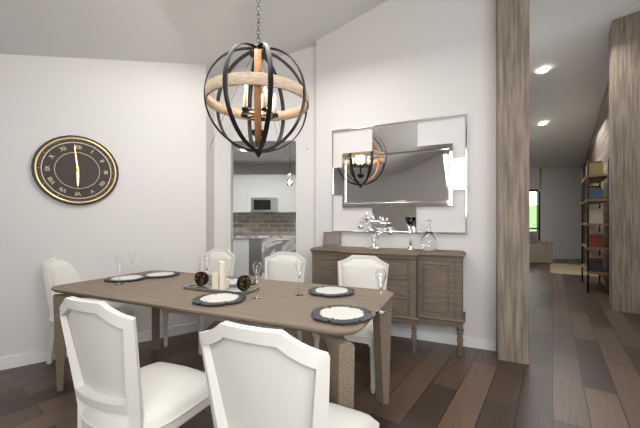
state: 5:59
